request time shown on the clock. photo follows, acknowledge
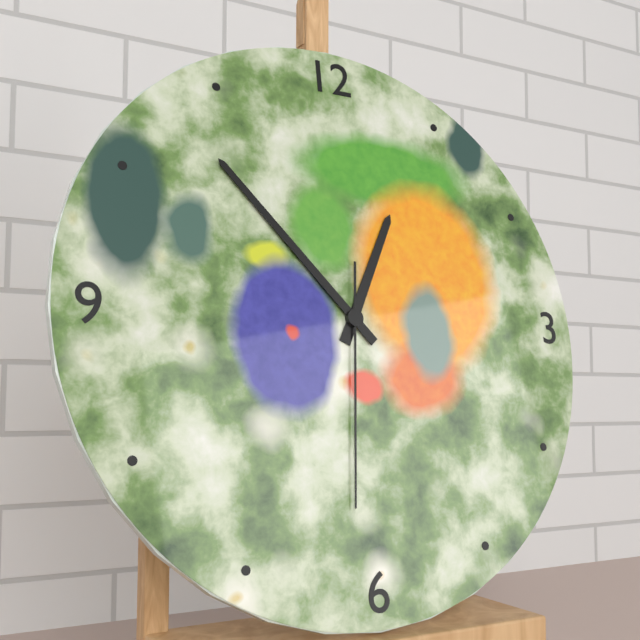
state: 12:53:31
